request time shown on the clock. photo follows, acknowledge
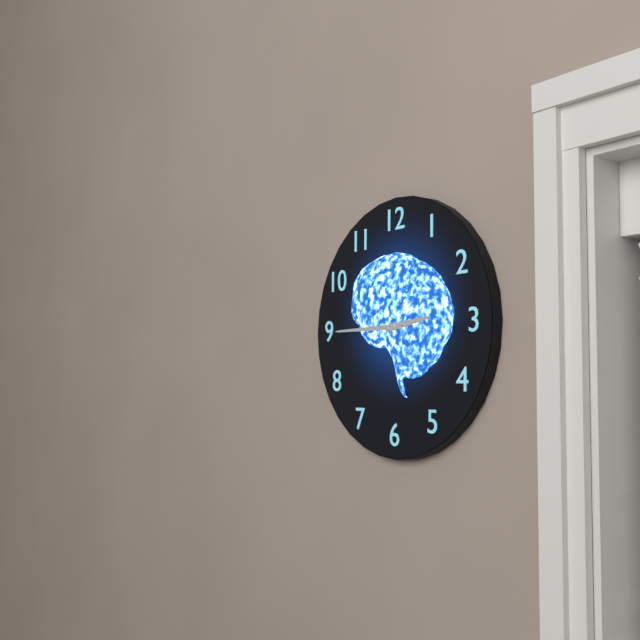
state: 2:45
